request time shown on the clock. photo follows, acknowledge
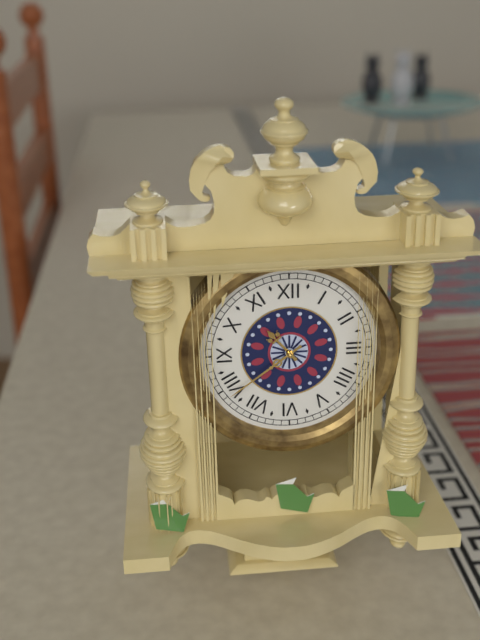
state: 10:39
